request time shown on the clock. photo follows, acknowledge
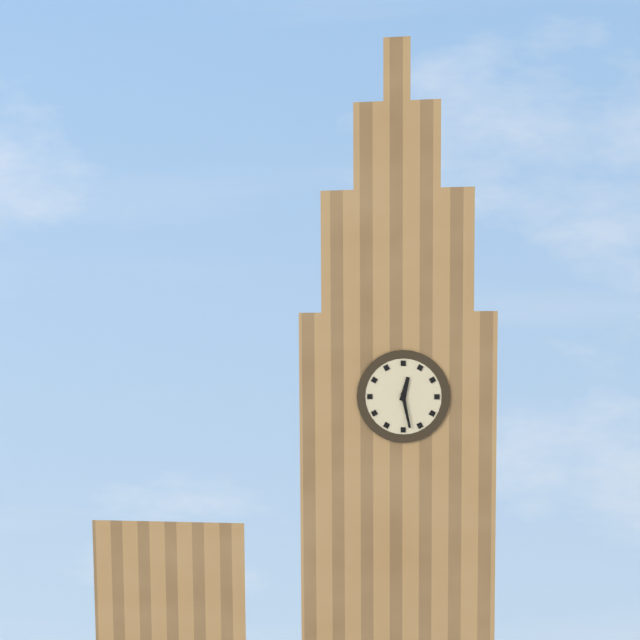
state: 12:28
